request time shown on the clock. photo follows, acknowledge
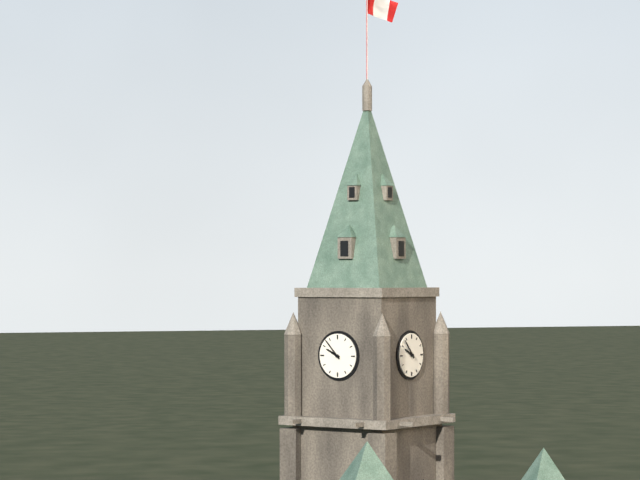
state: 9:53
